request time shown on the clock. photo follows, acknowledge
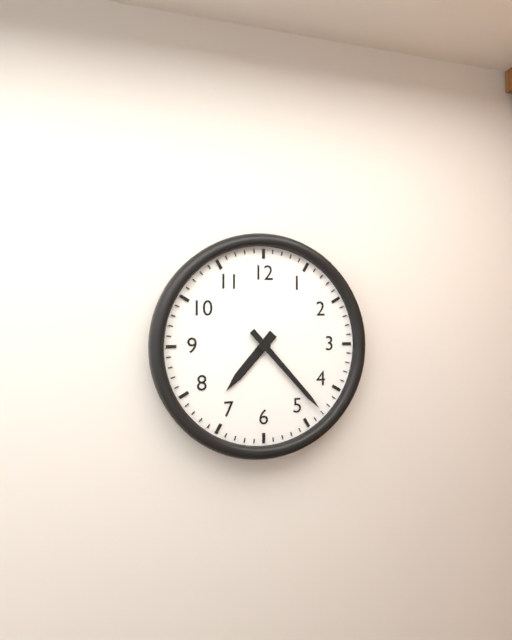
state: 7:23
